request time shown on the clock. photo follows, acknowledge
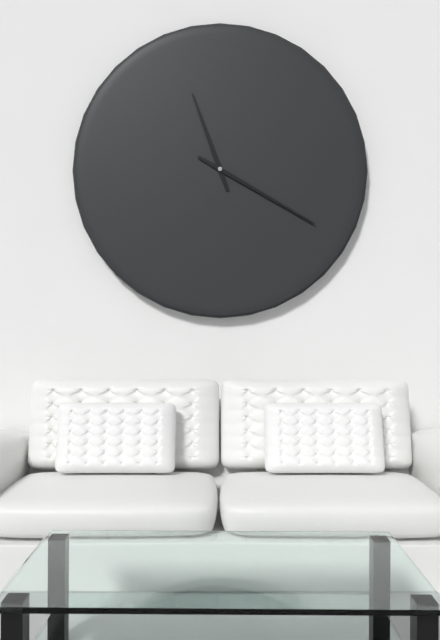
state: 11:20
